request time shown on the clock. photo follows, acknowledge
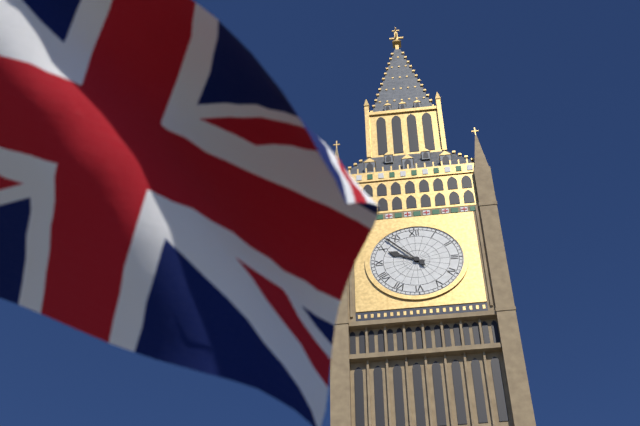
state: 9:53
